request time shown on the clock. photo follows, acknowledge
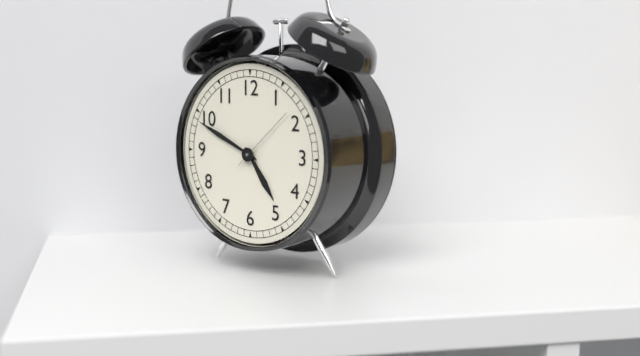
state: 4:49:08
